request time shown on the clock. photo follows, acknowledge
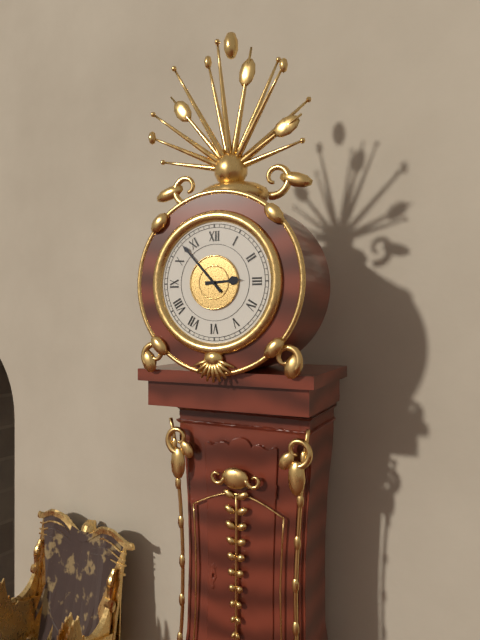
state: 2:53
